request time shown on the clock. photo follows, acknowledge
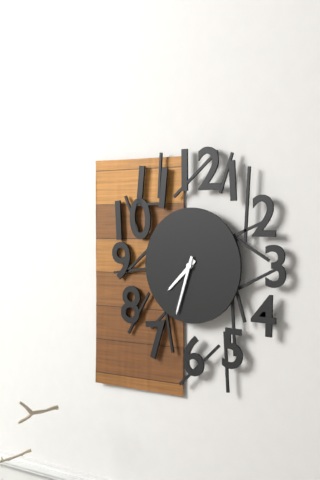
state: 7:33
